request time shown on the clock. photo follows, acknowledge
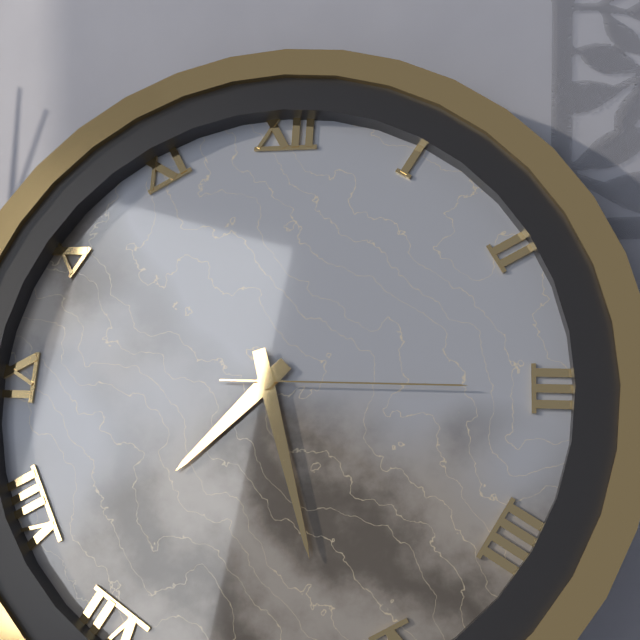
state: 7:27:15
